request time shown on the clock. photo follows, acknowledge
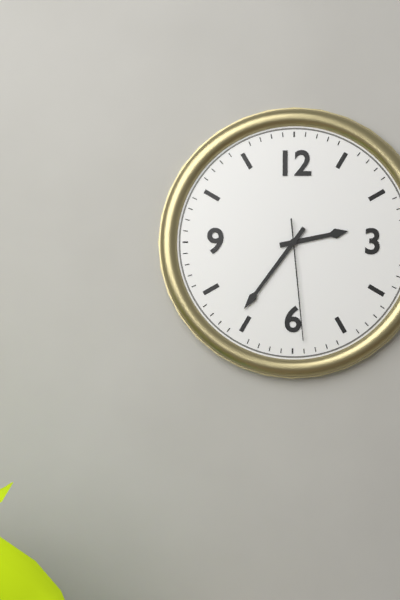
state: 2:36:29
